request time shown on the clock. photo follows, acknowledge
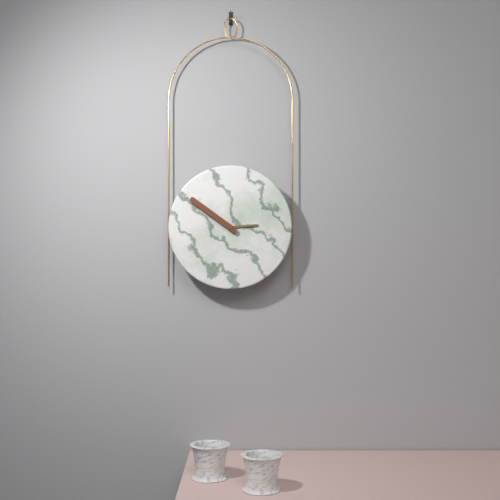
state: 2:51
